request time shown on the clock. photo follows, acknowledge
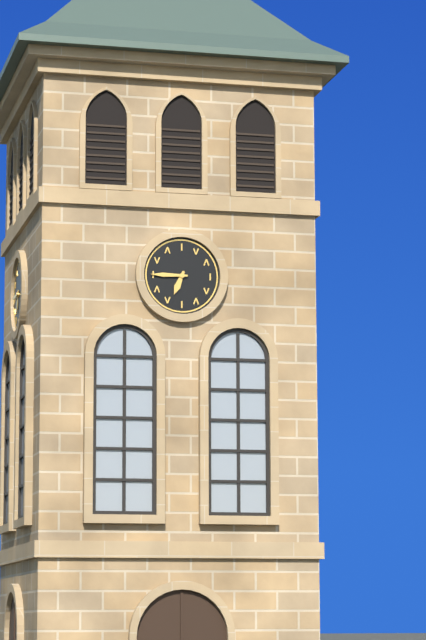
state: 6:45
